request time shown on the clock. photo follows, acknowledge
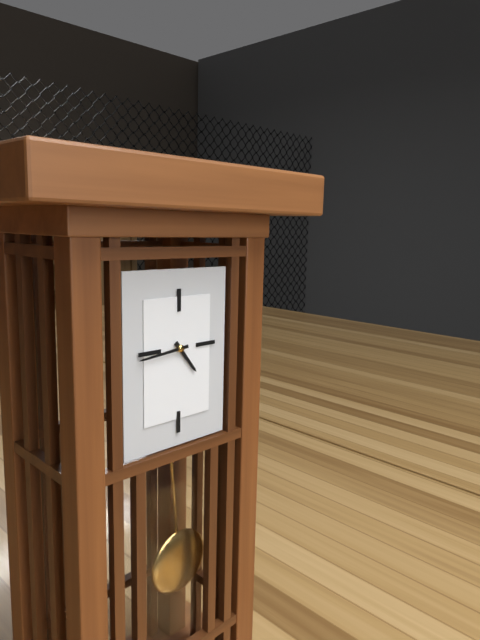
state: 4:44
